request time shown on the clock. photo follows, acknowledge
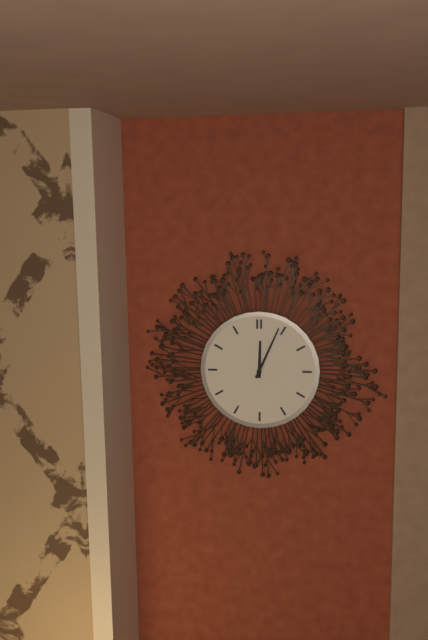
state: 12:04
